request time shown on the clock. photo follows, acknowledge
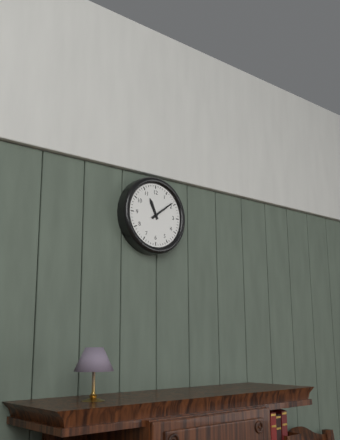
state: 11:09
